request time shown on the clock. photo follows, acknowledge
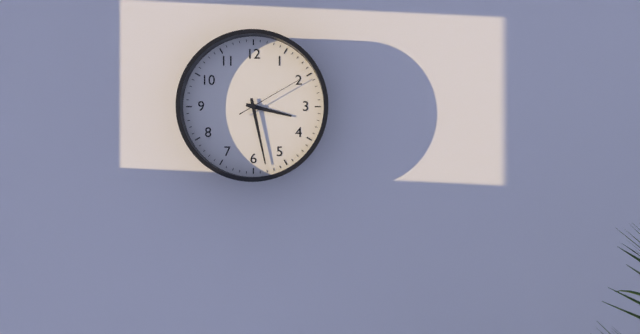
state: 3:28:10
